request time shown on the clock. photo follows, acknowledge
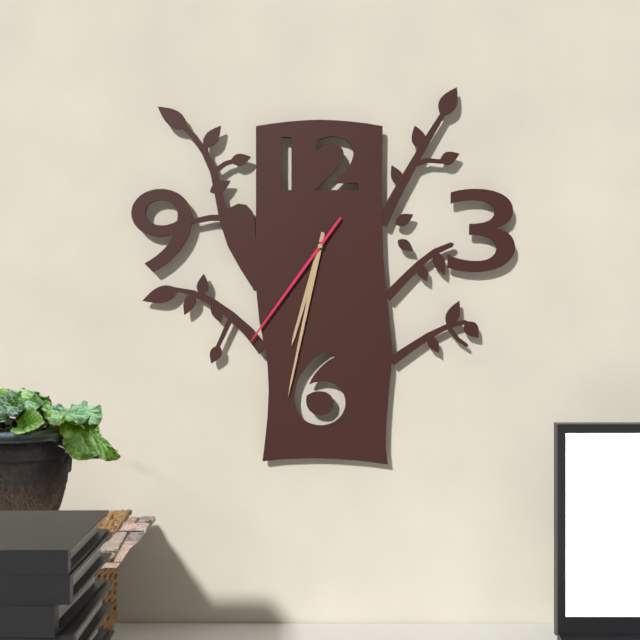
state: 6:32:36
